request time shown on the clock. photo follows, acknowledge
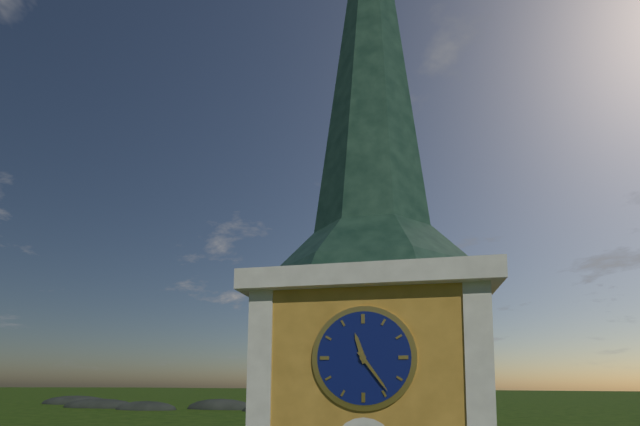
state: 11:24
